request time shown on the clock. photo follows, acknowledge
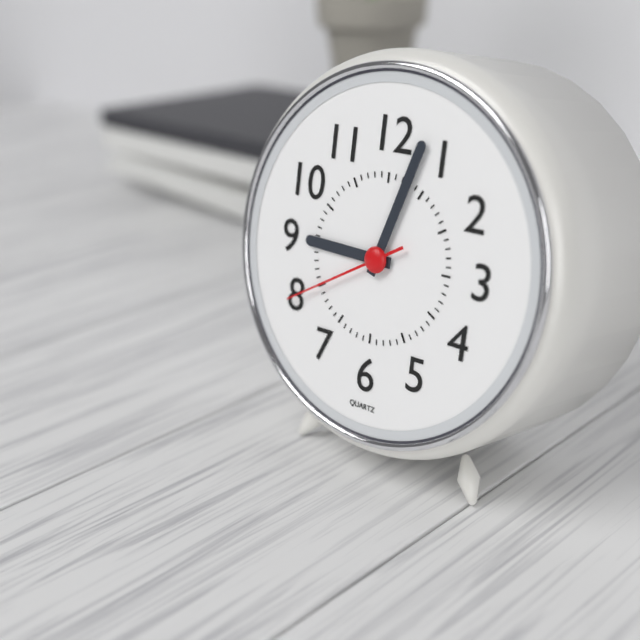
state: 9:03:40
